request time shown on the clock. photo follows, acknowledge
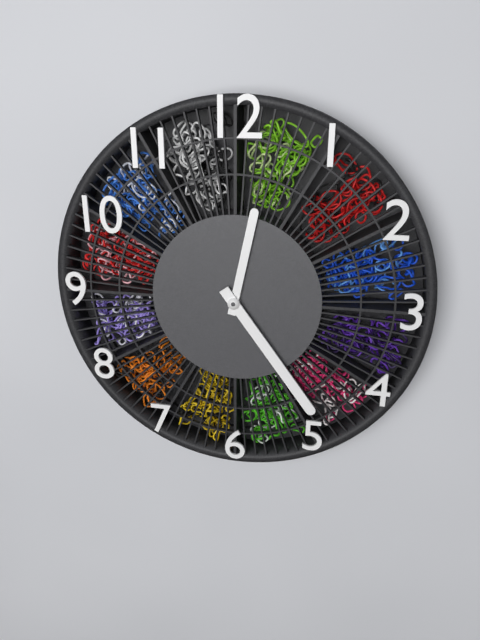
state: 12:24
